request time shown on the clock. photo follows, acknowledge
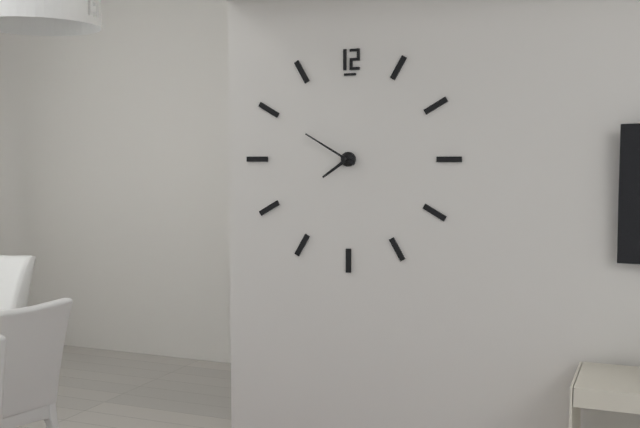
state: 7:50
